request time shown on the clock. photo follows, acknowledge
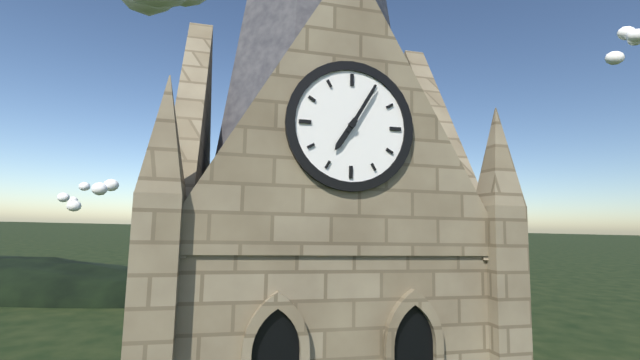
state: 7:05
